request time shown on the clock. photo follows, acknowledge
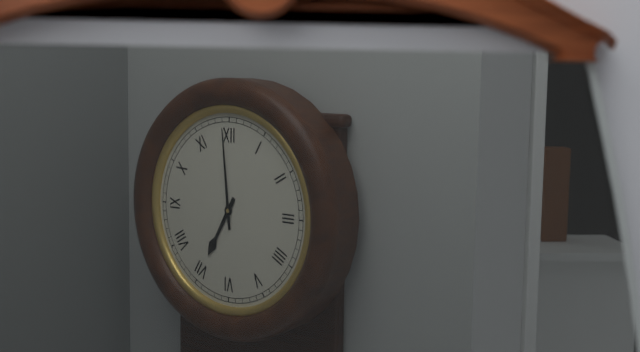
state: 6:59
